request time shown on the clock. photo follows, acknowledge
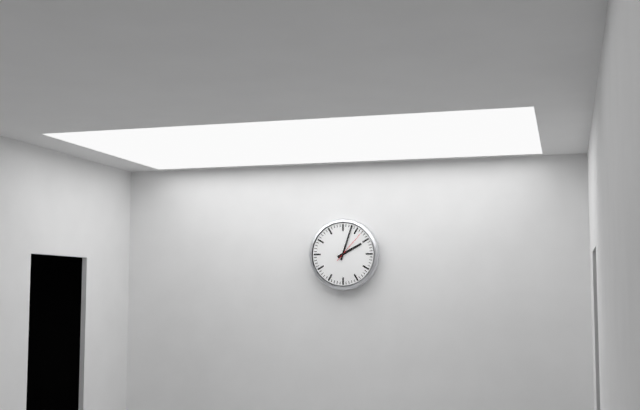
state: 2:03
